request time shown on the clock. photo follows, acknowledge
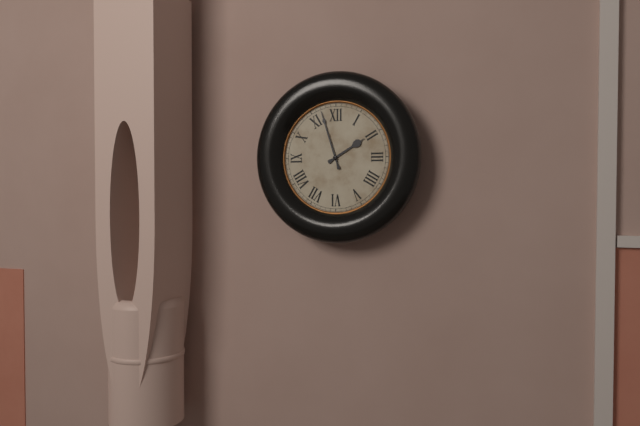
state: 1:57
